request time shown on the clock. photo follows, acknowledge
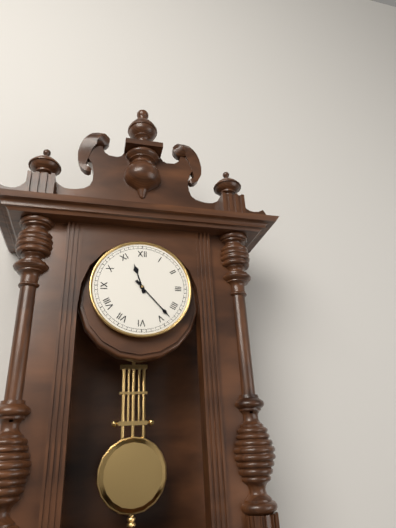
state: 11:23
